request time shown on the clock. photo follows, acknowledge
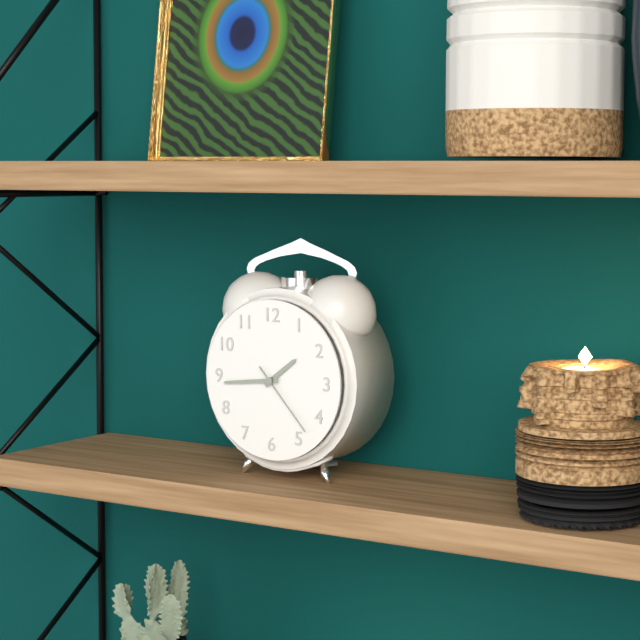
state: 1:44:23
